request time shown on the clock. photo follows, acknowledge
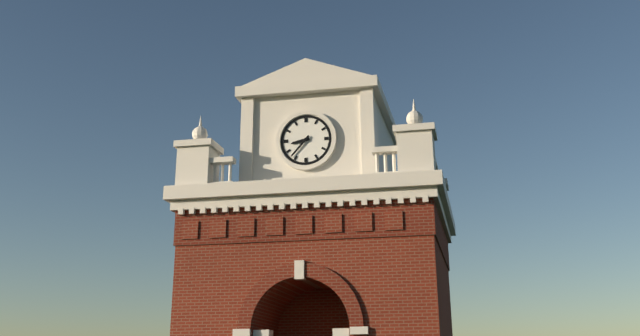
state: 8:37
